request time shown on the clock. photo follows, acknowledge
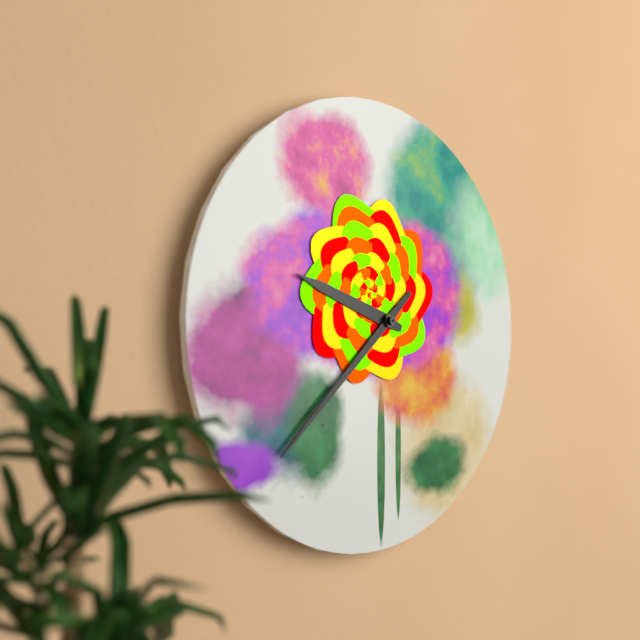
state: 9:38
